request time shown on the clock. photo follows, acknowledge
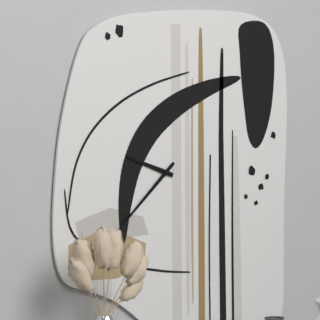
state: 9:38
